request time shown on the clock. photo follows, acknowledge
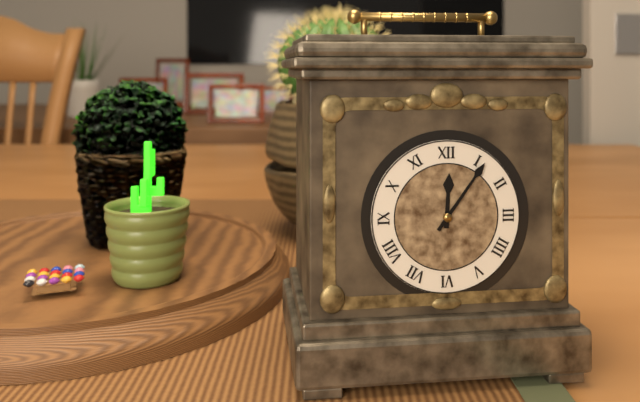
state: 12:06
